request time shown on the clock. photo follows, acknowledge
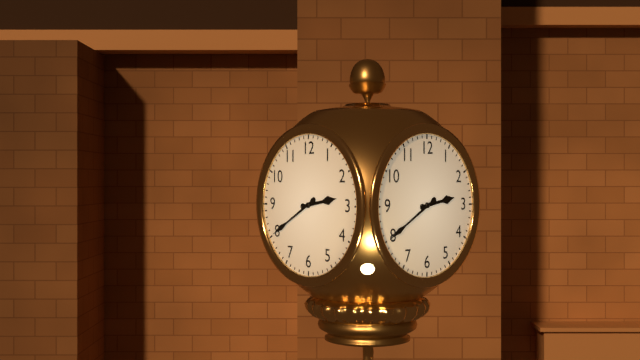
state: 2:40
